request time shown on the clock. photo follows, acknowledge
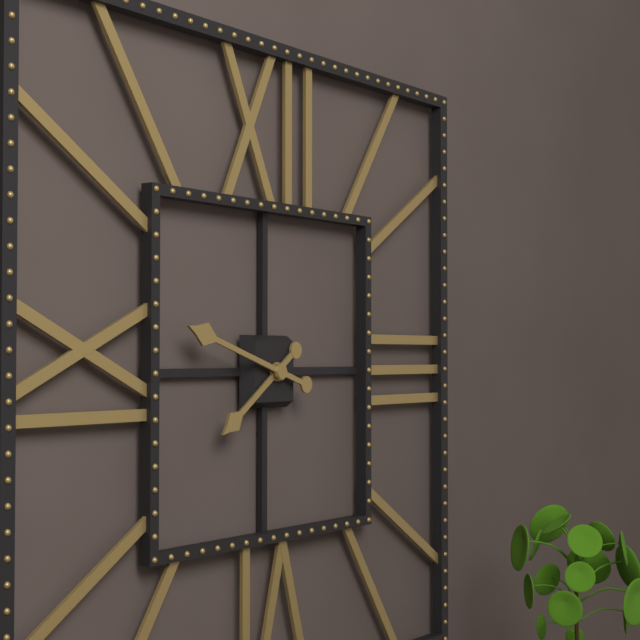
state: 7:48
